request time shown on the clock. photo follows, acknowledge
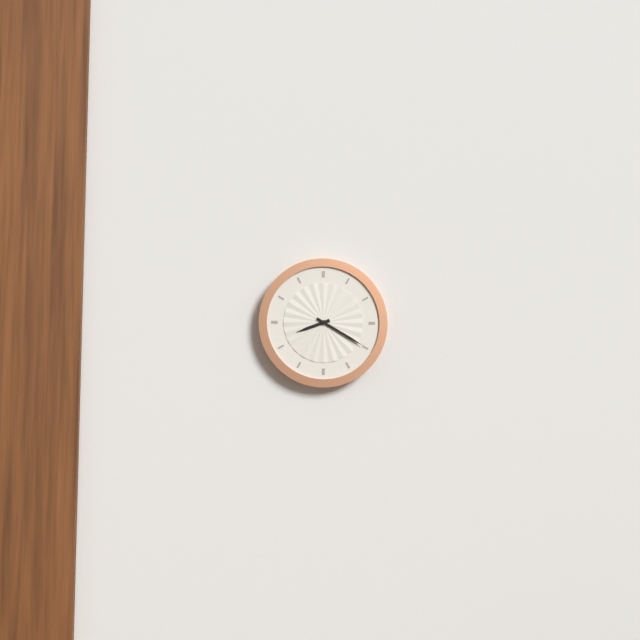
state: 8:20
